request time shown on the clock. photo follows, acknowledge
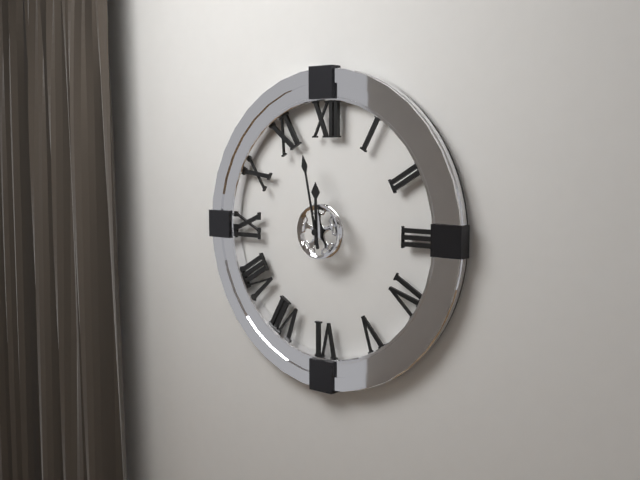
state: 11:58
